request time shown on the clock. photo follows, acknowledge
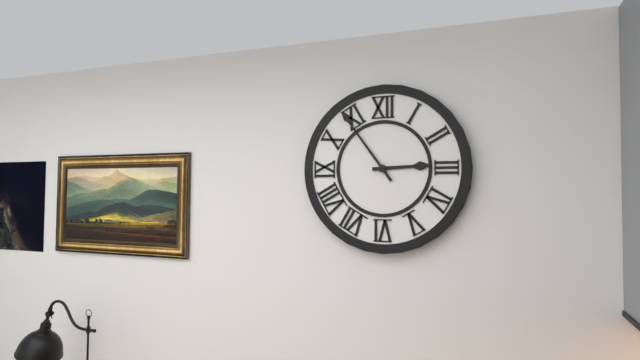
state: 2:54
